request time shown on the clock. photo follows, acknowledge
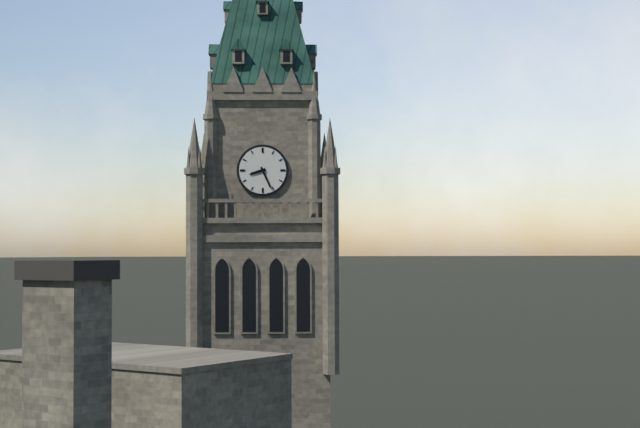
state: 8:26
